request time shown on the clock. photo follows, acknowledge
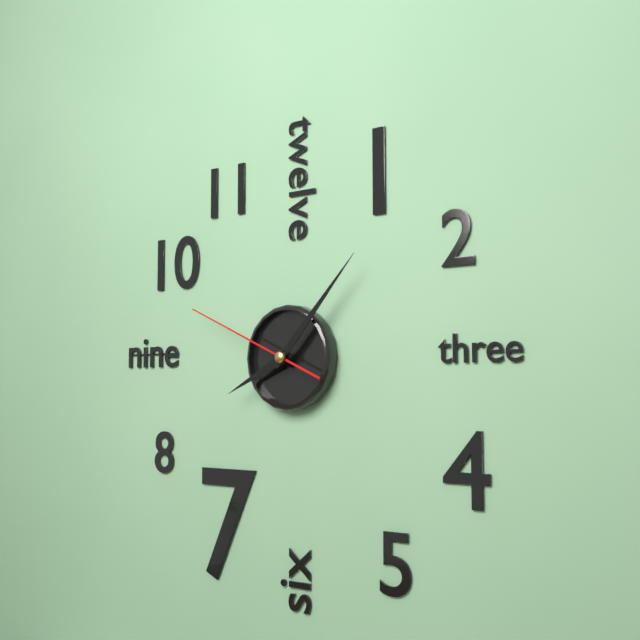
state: 8:07:49
